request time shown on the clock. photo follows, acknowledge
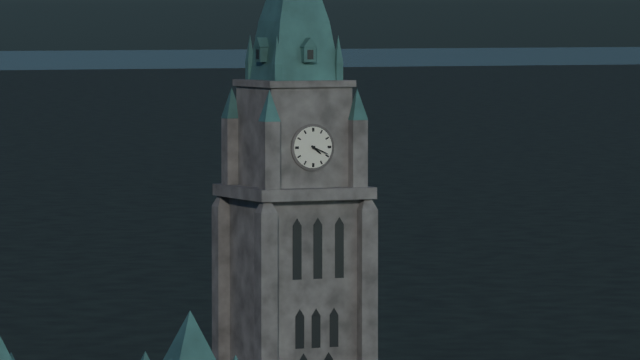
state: 4:19
